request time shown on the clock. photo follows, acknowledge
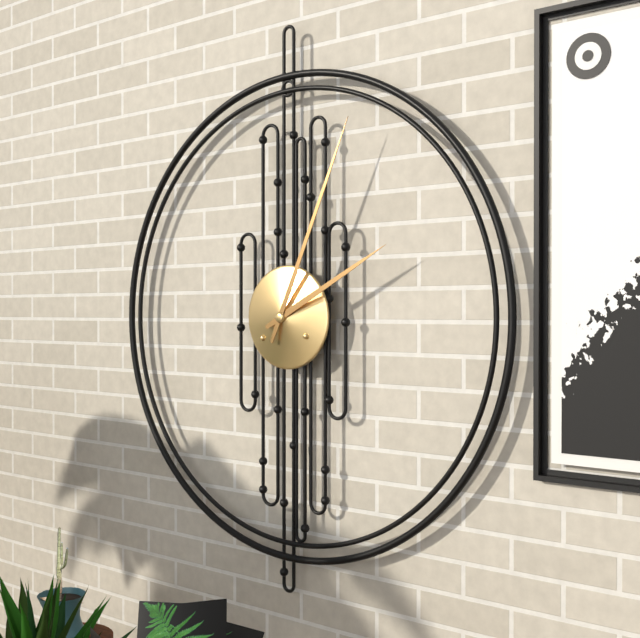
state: 2:04
